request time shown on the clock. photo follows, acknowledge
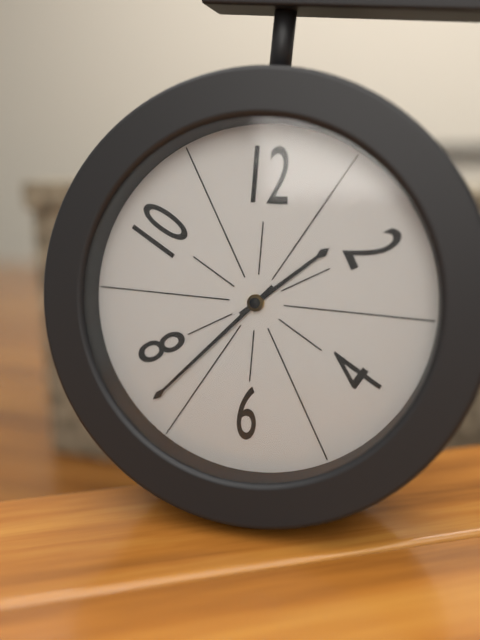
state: 1:37
